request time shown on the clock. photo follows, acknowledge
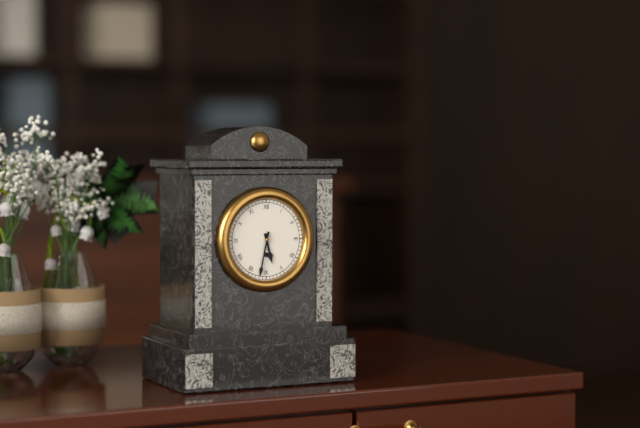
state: 5:32
